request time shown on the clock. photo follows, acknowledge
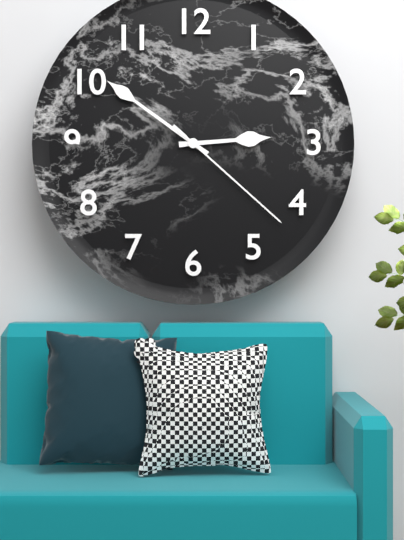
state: 2:51:22
